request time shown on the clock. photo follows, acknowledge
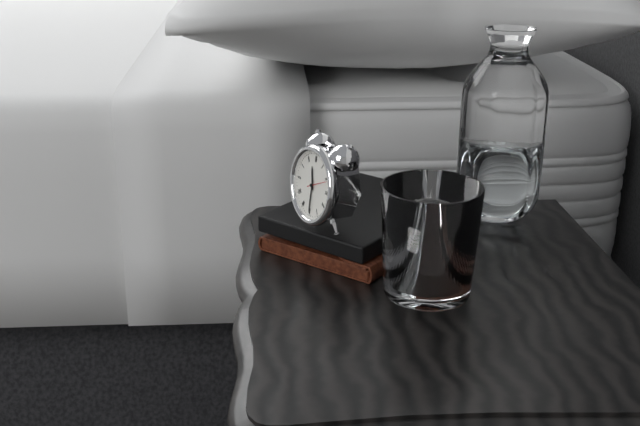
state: 11:30
